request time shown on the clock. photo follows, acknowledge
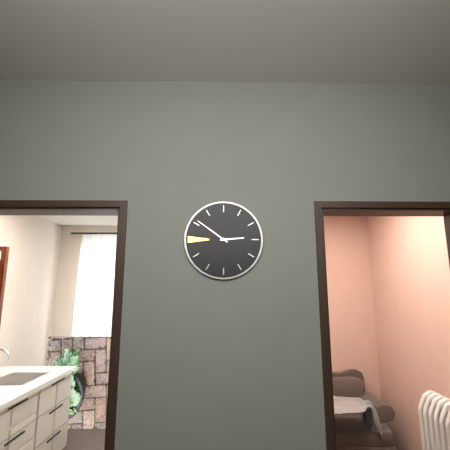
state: 2:51
